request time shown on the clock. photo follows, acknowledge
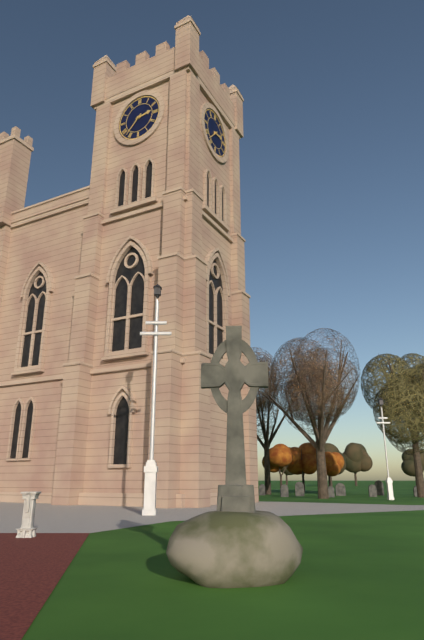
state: 2:37
